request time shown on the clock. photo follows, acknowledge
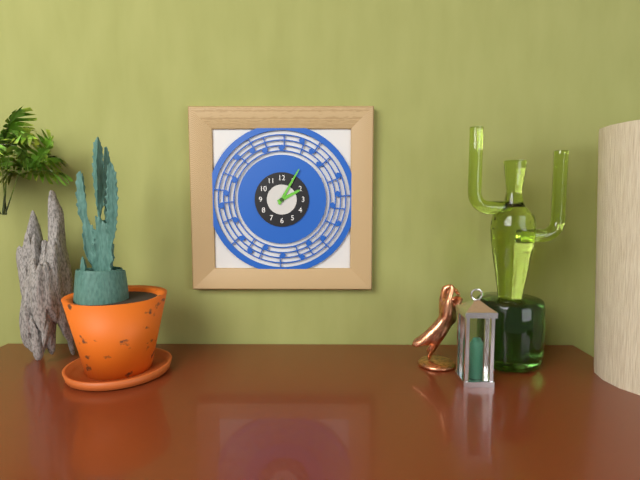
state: 2:05
